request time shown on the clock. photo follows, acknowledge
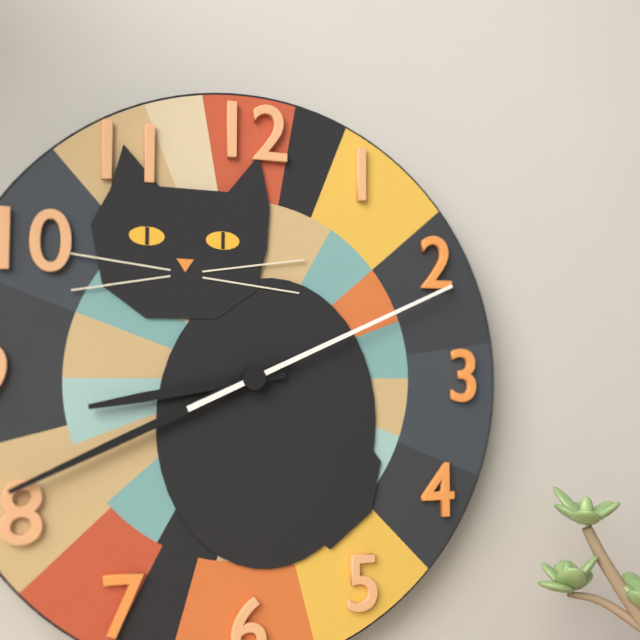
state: 8:41:11
